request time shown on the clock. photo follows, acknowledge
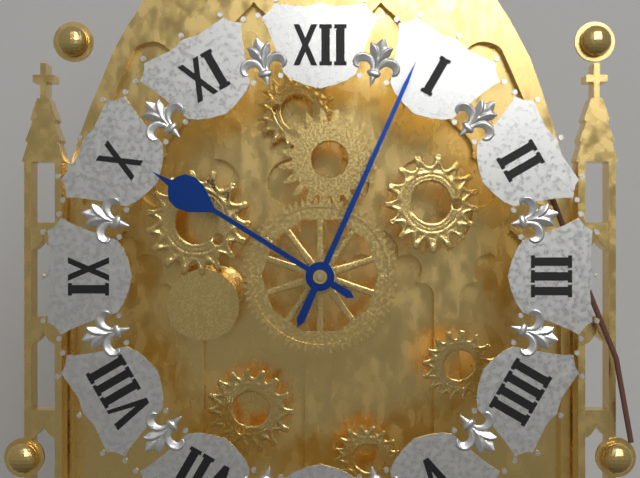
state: 10:04
